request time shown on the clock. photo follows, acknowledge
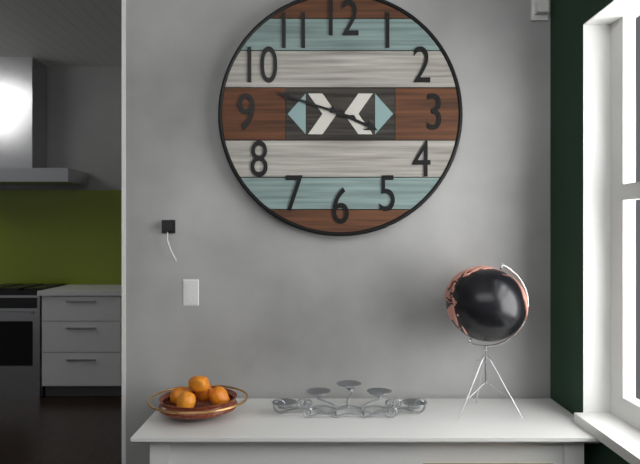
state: 3:48
